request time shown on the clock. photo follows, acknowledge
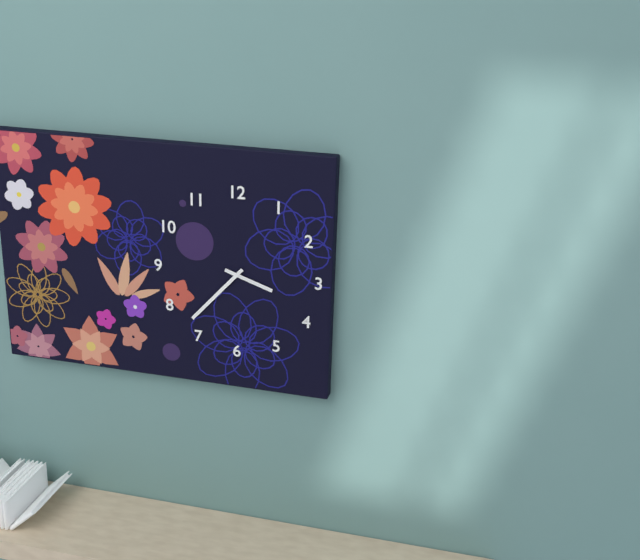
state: 3:37
